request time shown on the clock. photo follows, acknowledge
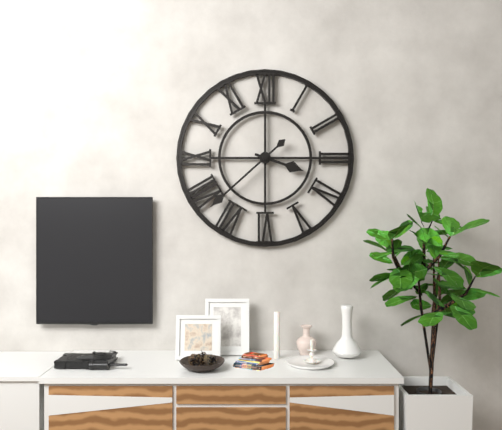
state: 3:38
